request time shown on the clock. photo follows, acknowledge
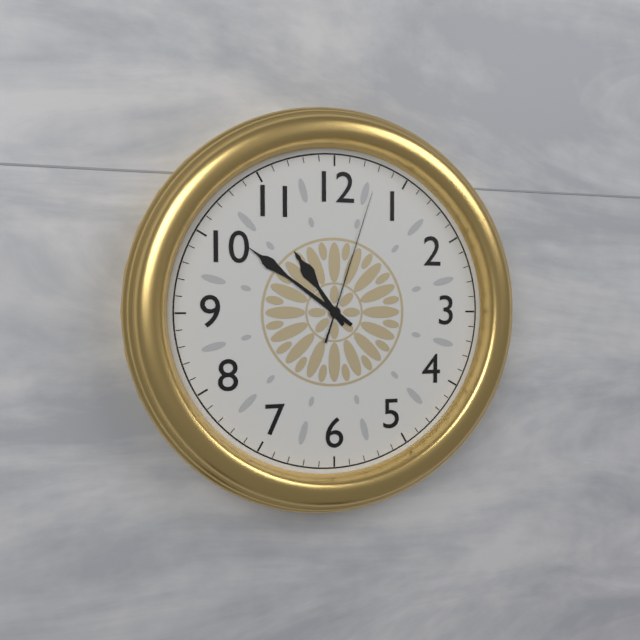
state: 10:51:03
